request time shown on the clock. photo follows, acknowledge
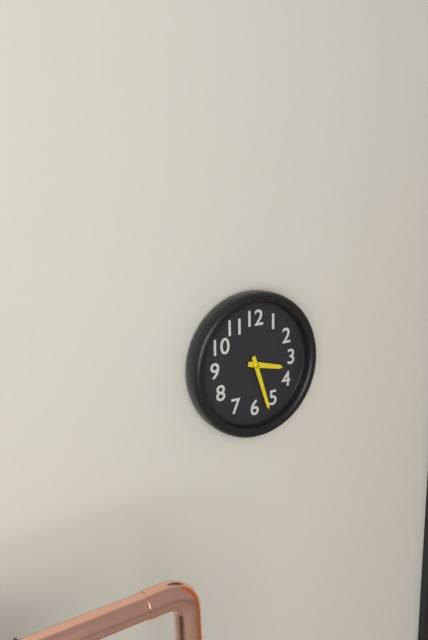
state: 3:27
